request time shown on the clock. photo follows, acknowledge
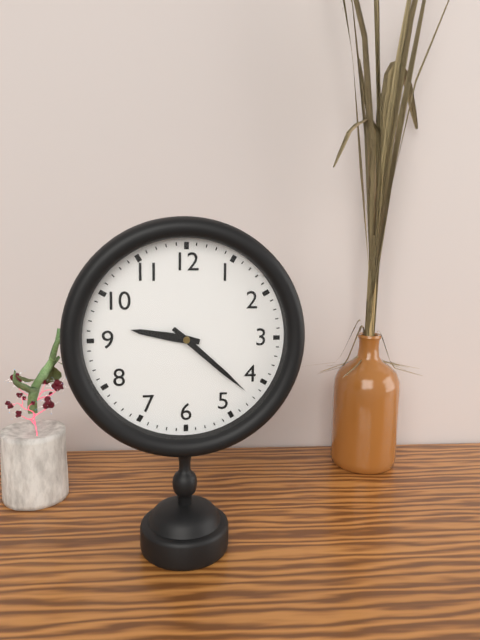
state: 9:22
